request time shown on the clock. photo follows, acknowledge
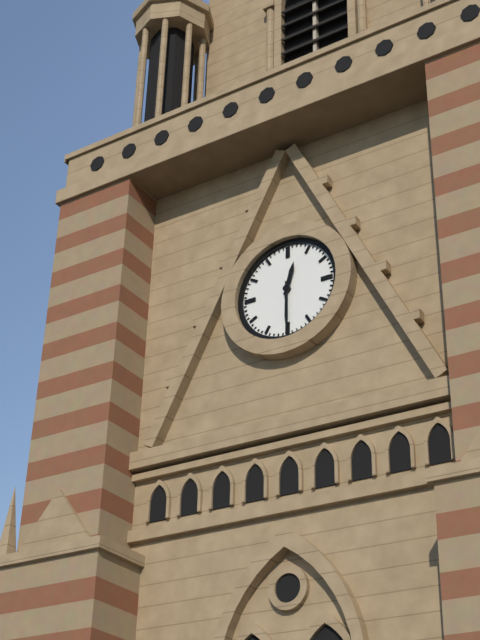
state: 12:30
